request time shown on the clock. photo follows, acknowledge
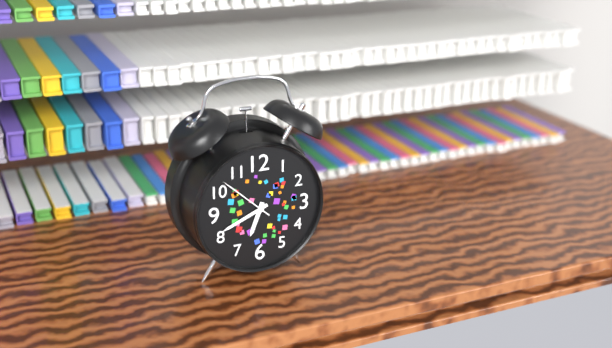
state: 6:41:52
